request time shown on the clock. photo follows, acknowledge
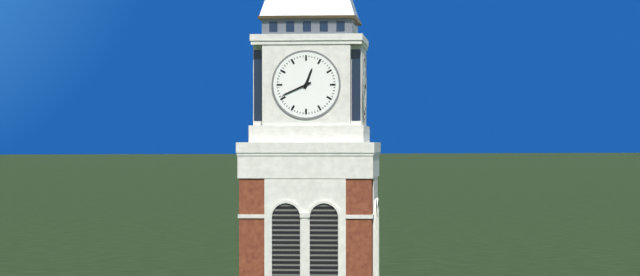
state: 12:41
